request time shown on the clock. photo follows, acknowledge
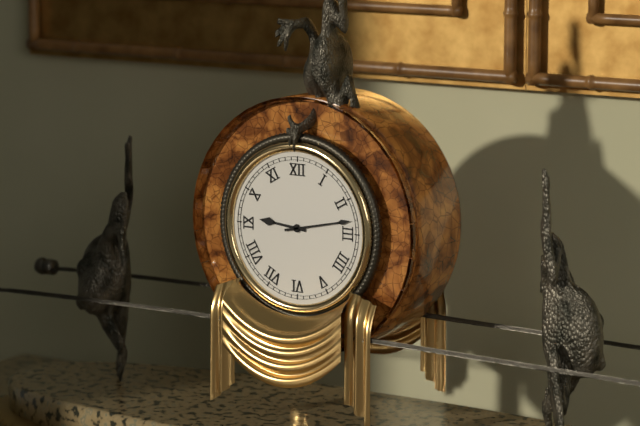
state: 9:13
